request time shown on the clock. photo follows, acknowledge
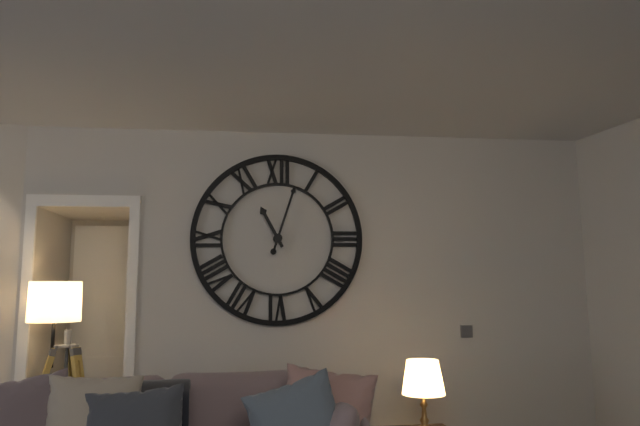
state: 11:03
